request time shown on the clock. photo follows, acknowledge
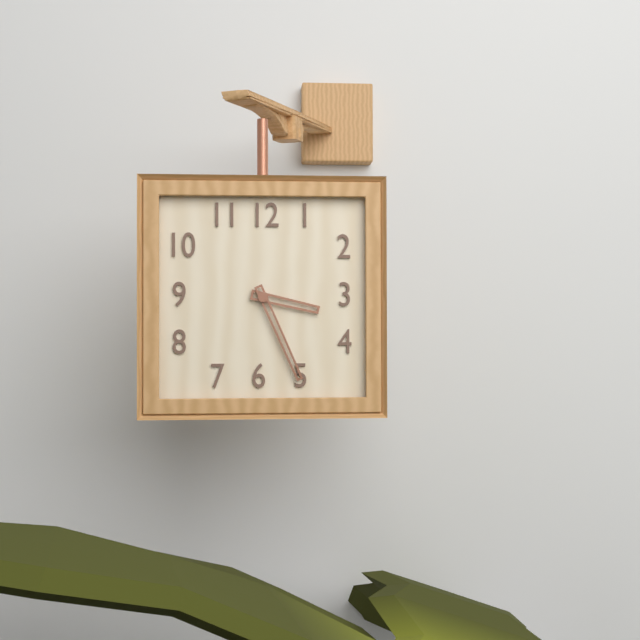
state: 3:26
